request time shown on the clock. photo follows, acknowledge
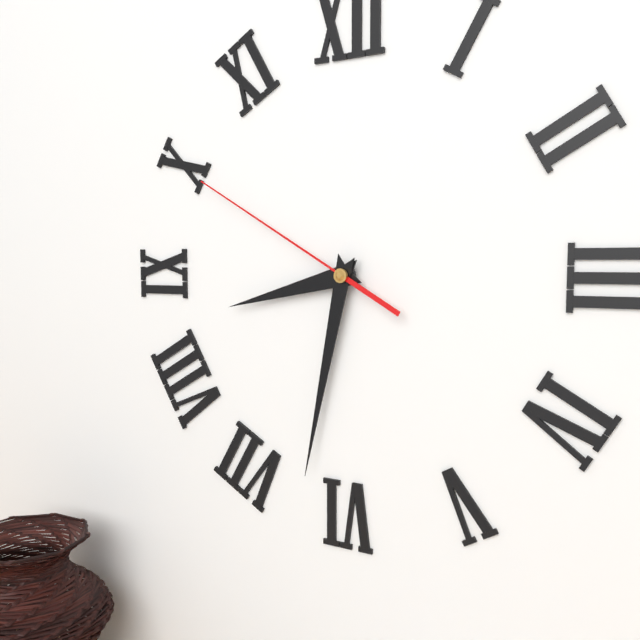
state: 8:32:50
